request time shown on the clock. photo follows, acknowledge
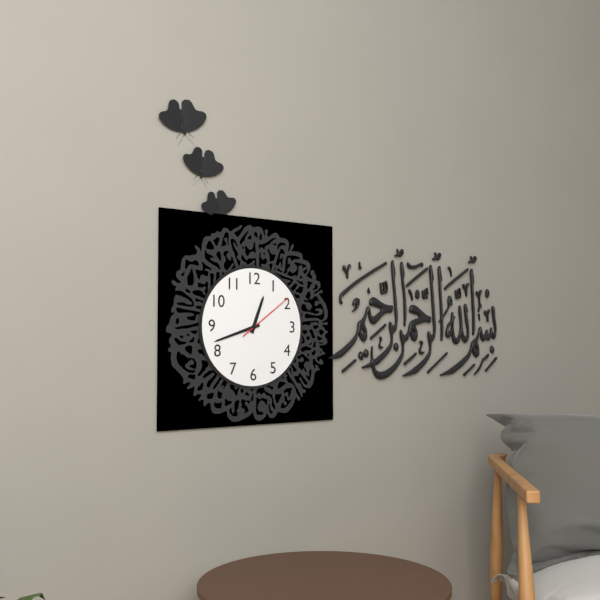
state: 12:42:09
